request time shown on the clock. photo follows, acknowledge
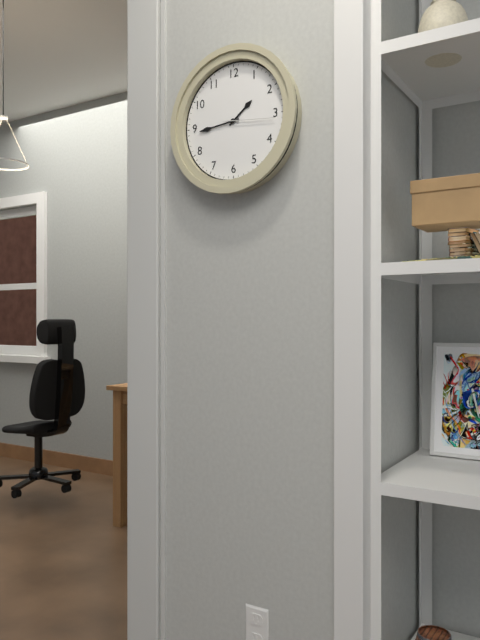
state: 1:44:16
